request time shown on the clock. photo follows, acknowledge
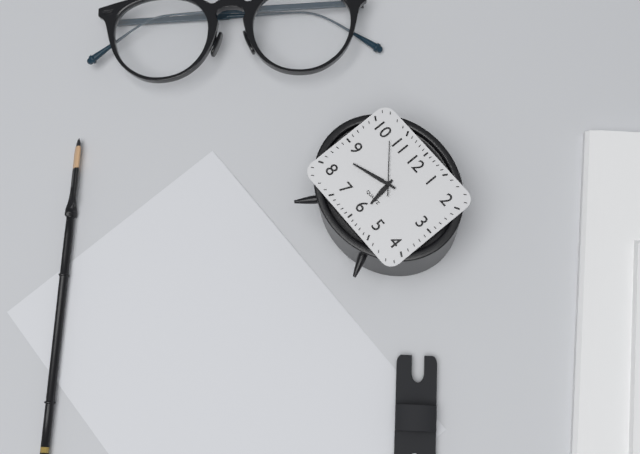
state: 5:42:52
